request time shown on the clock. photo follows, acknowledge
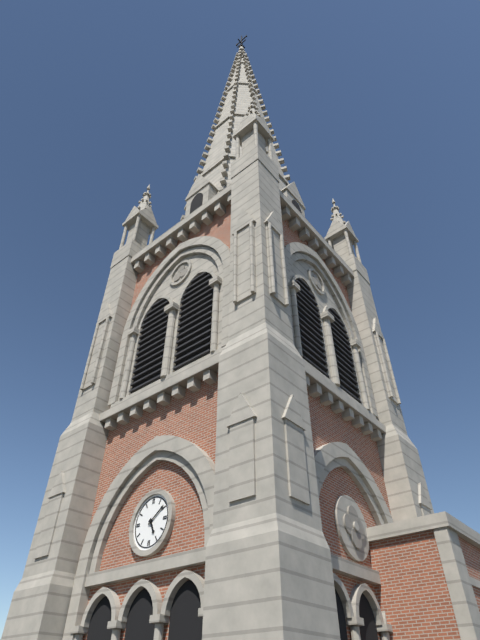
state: 5:09
